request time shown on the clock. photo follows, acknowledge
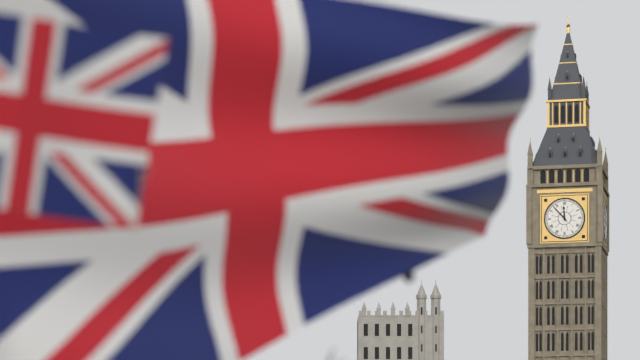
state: 11:53
